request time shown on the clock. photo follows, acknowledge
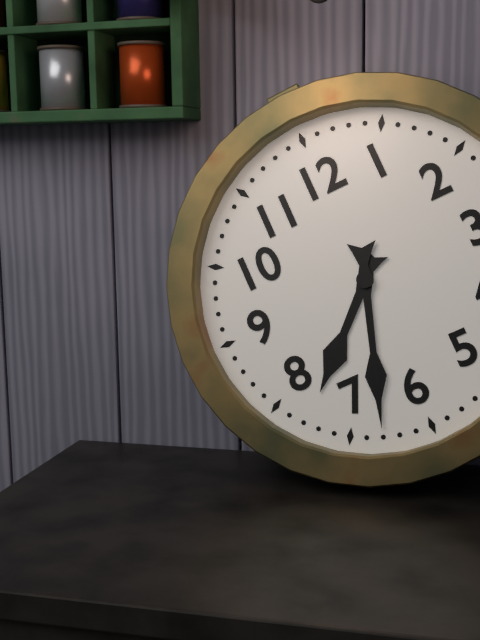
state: 7:33
